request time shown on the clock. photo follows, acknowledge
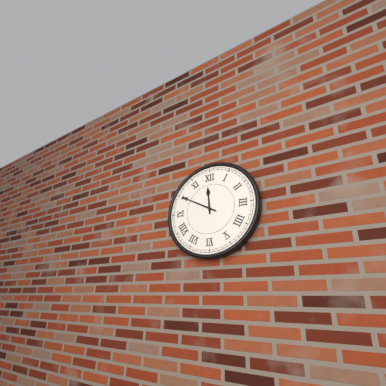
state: 11:50
